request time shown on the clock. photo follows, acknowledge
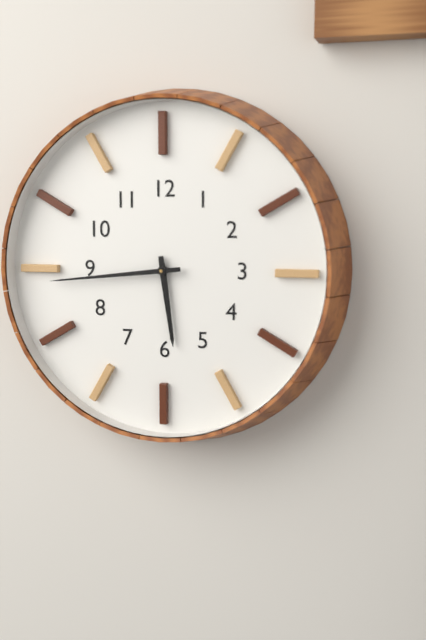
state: 5:44
